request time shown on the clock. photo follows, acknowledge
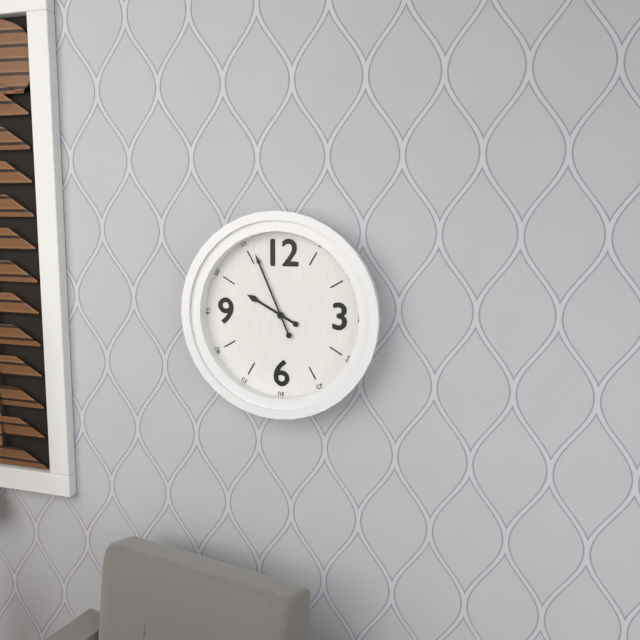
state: 9:56
